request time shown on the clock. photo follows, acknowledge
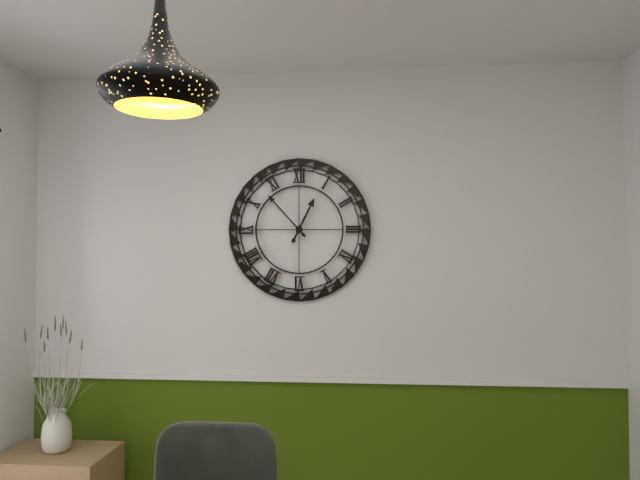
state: 12:53
